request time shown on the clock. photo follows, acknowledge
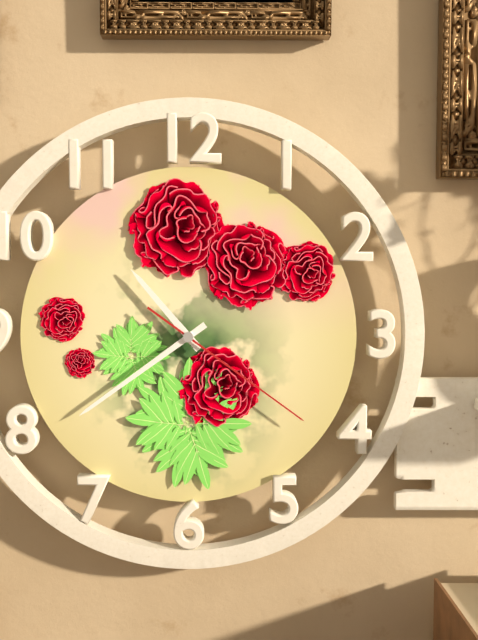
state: 10:39:21
